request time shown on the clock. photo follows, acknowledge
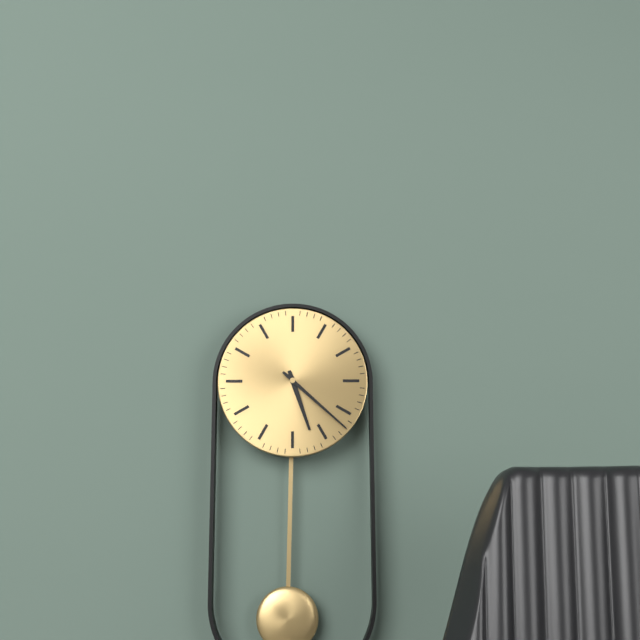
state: 5:22
